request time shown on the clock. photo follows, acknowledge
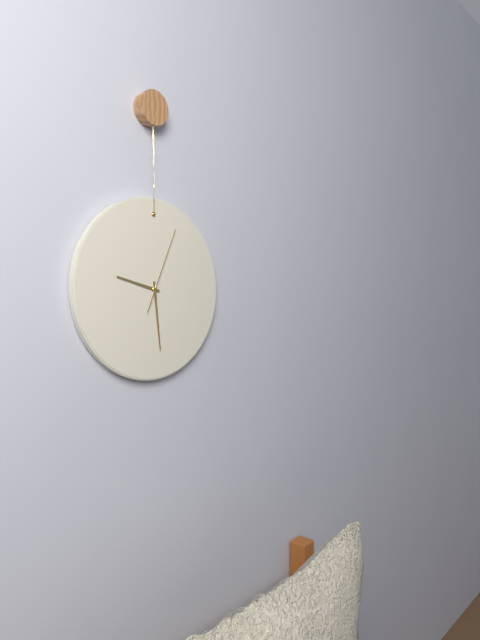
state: 9:29:04
